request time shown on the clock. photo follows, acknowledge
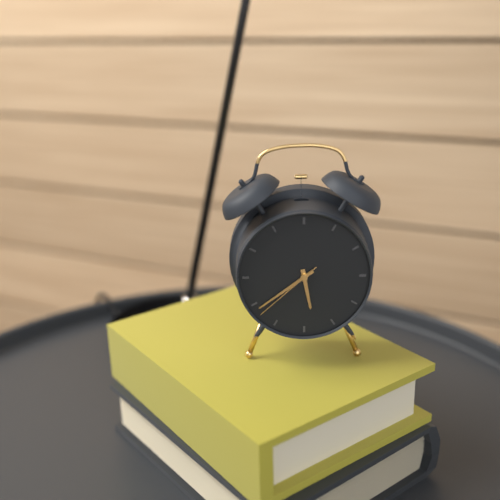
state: 5:39:38
